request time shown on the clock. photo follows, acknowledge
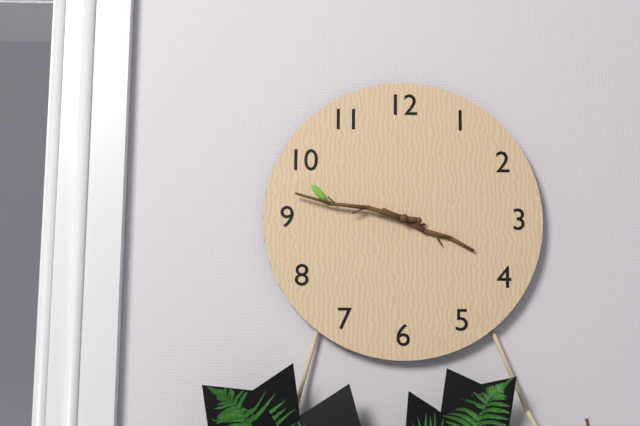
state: 3:47
